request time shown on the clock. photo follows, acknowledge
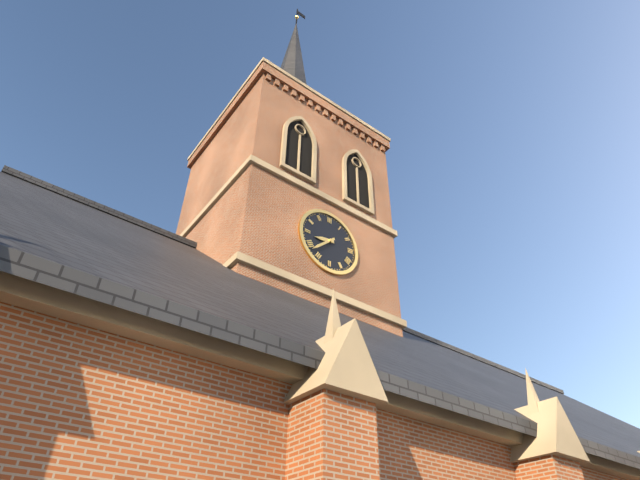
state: 8:38
